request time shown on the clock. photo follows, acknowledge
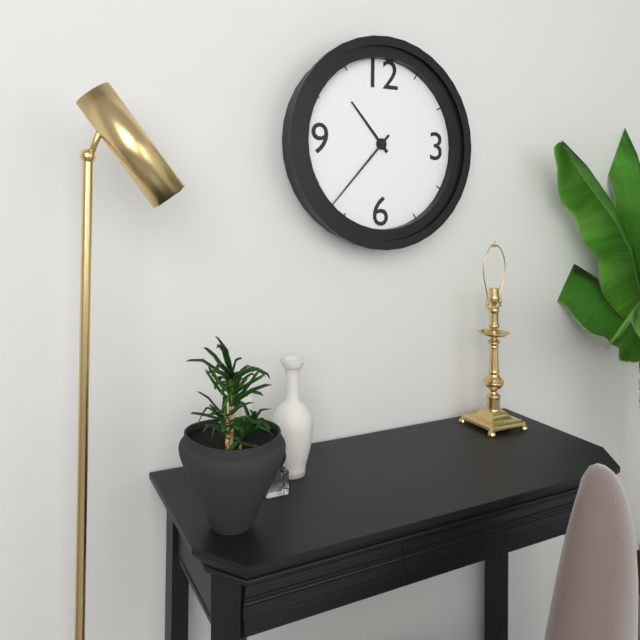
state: 10:37
